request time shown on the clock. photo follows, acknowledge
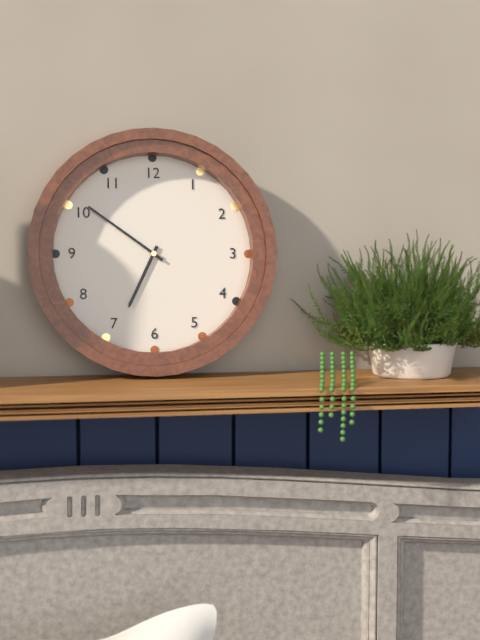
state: 6:51
